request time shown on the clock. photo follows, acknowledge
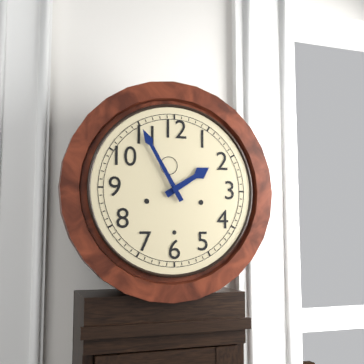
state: 1:55
